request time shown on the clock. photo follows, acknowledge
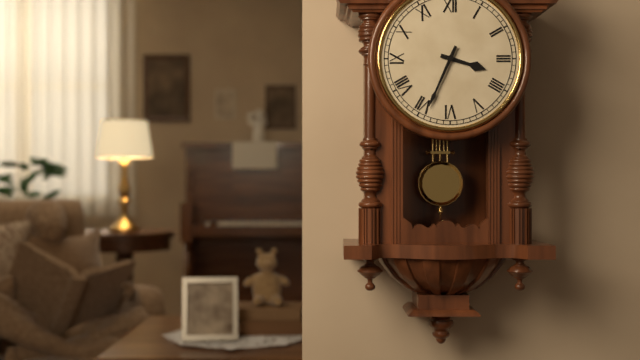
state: 3:34
